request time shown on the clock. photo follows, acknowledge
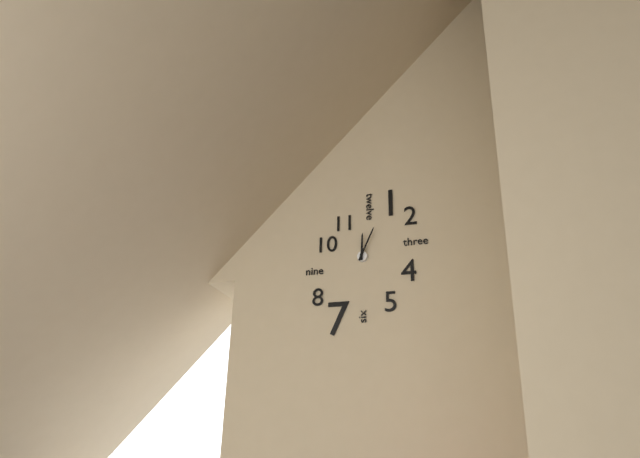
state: 12:04
